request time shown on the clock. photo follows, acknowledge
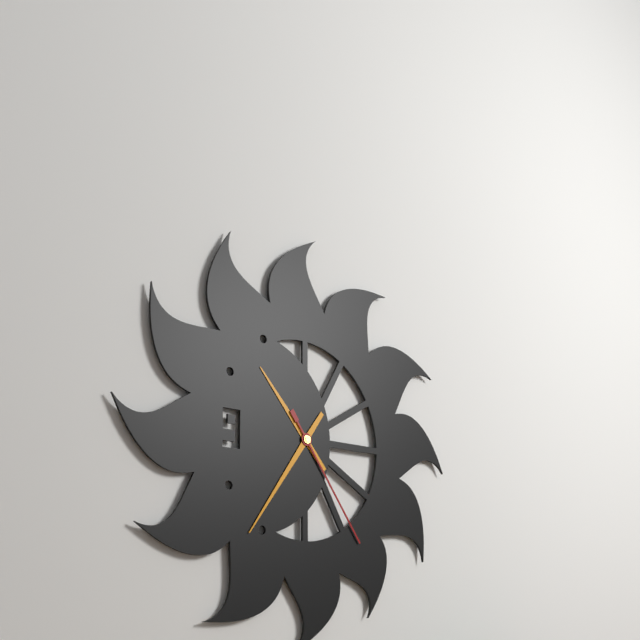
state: 10:36:24
